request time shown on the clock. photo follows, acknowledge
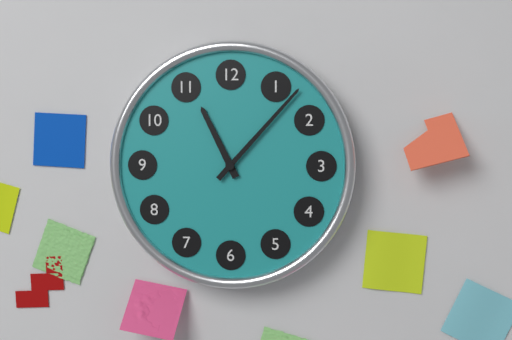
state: 11:07
